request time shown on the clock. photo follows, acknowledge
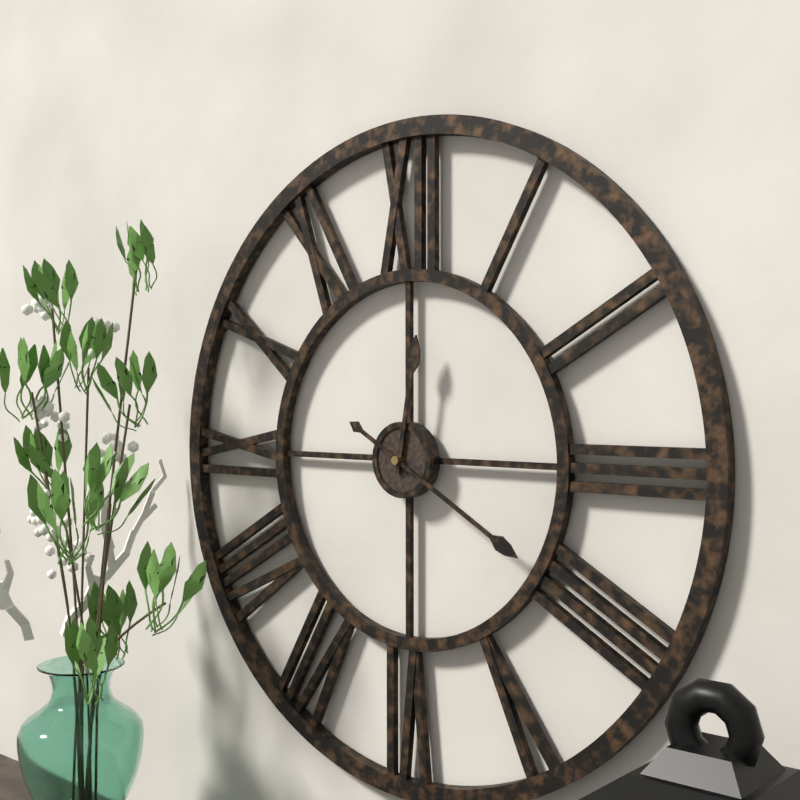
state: 12:20
